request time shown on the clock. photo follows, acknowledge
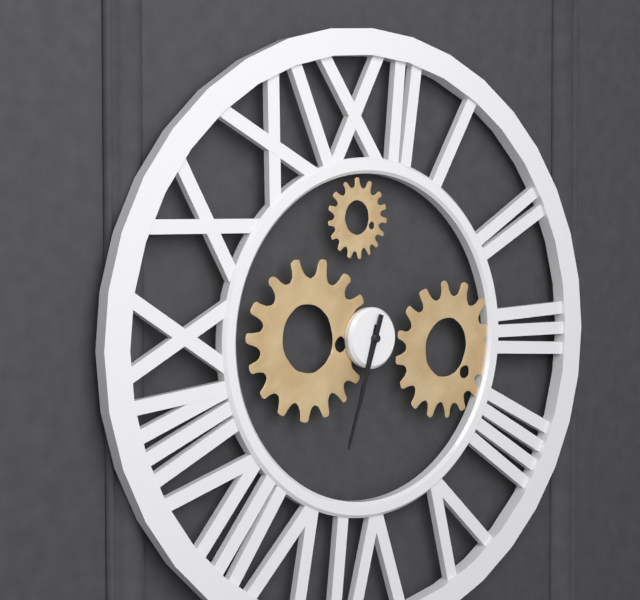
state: 6:33
